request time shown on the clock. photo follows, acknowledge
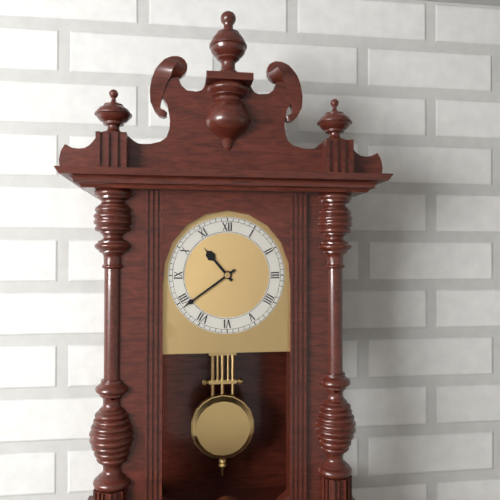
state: 10:39
